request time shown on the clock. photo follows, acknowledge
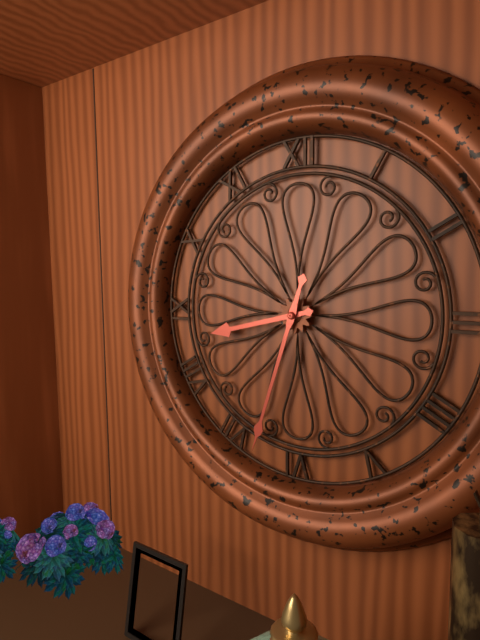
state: 8:33
